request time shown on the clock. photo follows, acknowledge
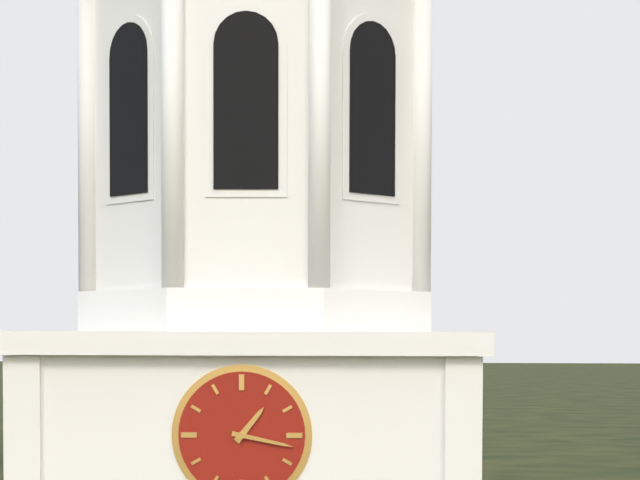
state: 1:17
